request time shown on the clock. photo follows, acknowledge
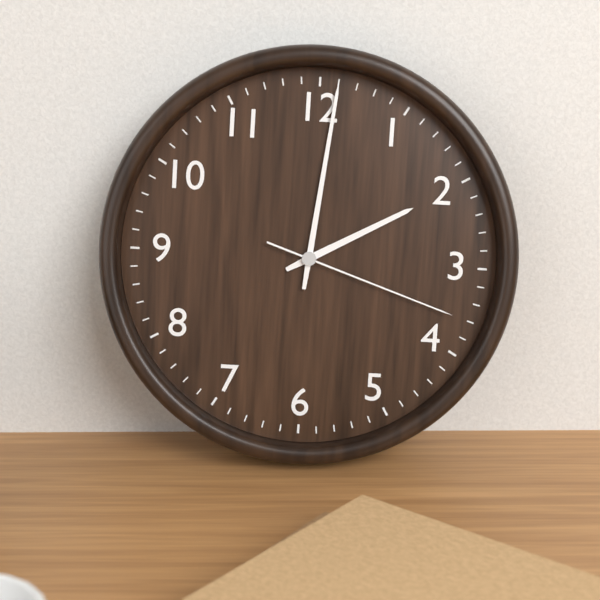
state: 2:01:18
